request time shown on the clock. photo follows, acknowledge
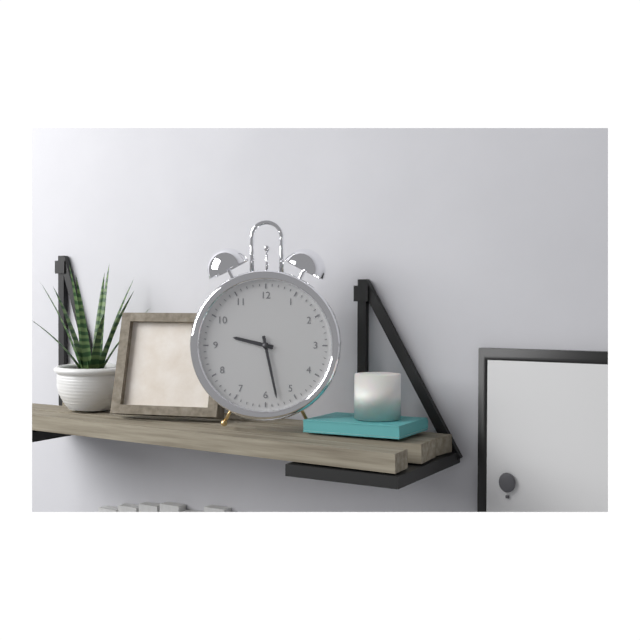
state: 9:28
